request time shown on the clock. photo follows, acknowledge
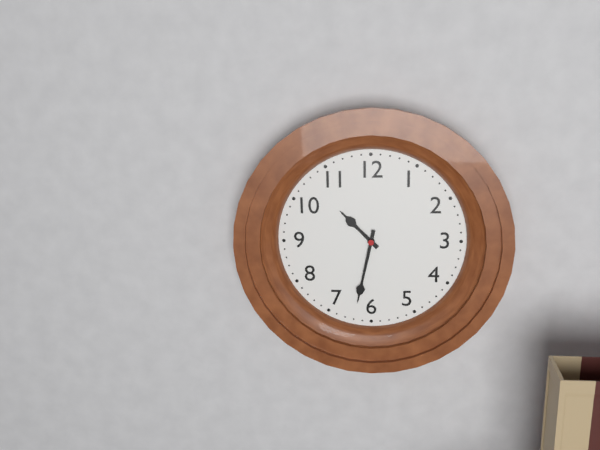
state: 10:32
